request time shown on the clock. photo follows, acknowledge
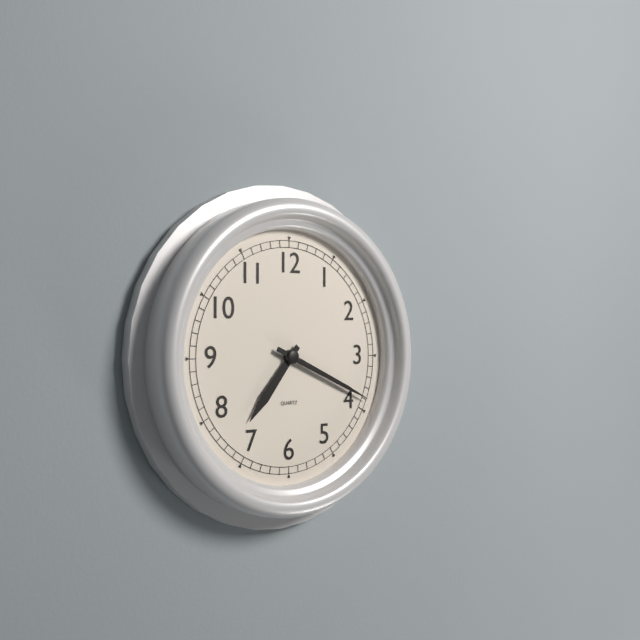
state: 7:19
